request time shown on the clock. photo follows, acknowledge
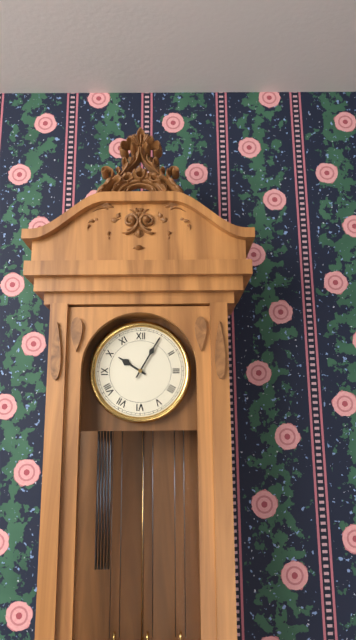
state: 10:05
